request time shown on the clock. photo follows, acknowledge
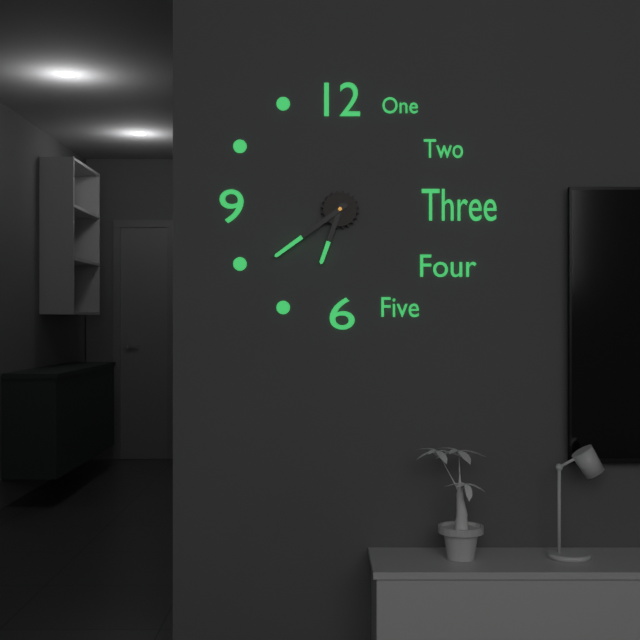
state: 6:39
